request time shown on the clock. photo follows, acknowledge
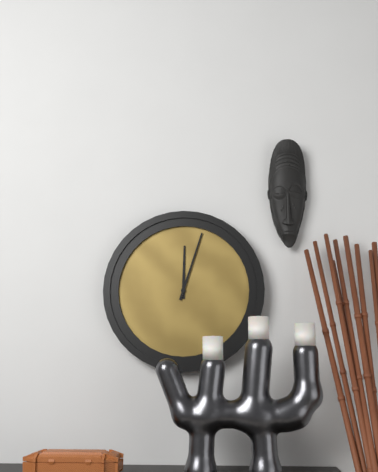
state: 12:03
